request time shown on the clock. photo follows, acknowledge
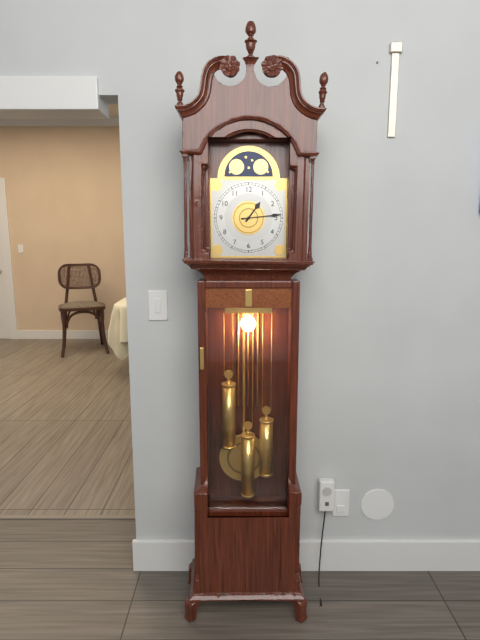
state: 1:14
